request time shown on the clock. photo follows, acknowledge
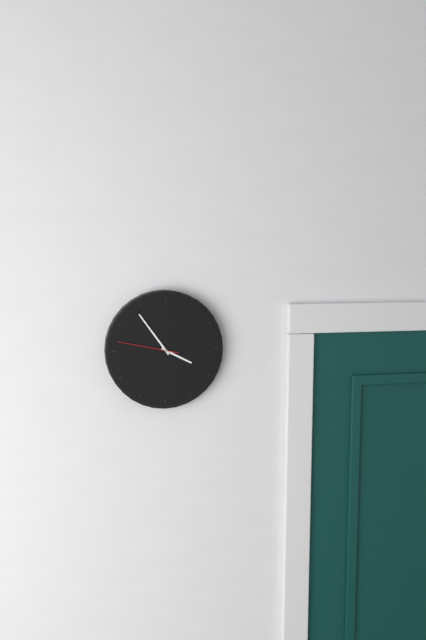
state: 3:54:47
